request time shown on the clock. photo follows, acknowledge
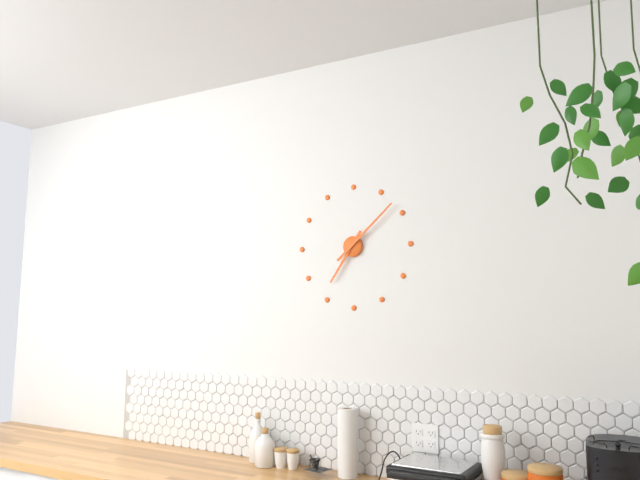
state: 7:08
